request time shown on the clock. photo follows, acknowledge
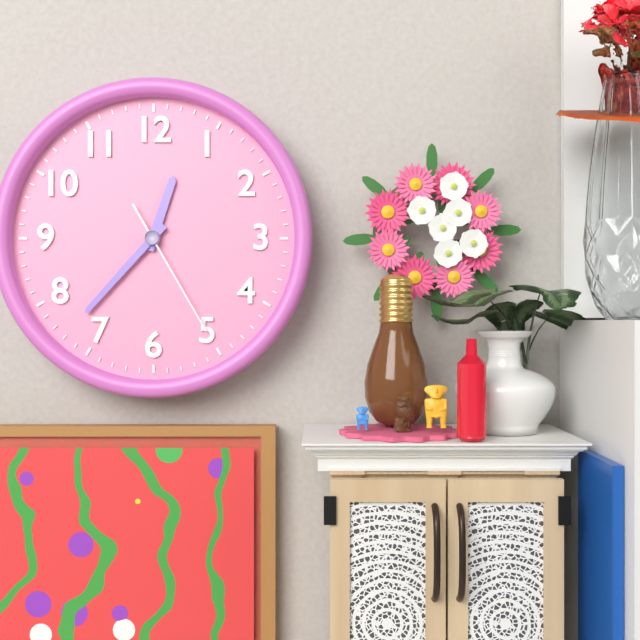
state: 12:37:25
